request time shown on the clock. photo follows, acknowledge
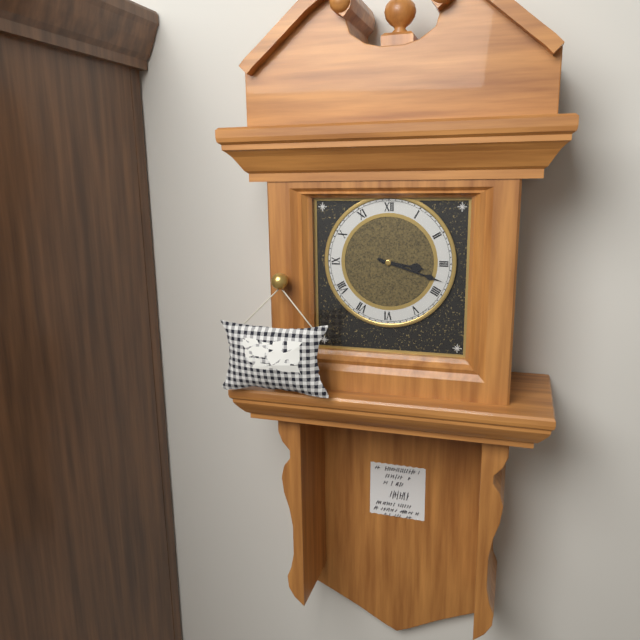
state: 3:18
